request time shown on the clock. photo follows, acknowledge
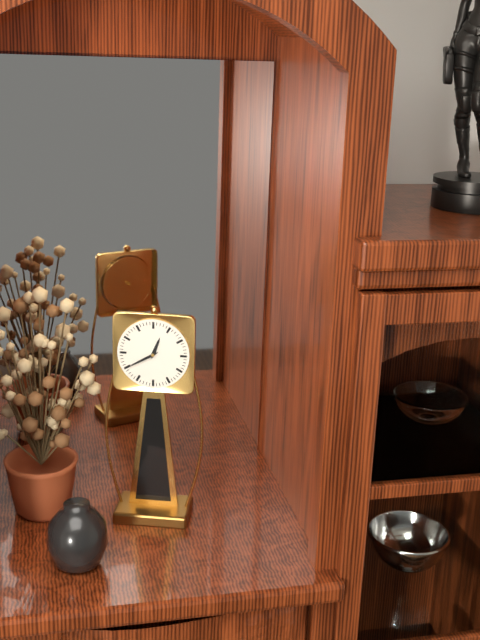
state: 12:40
